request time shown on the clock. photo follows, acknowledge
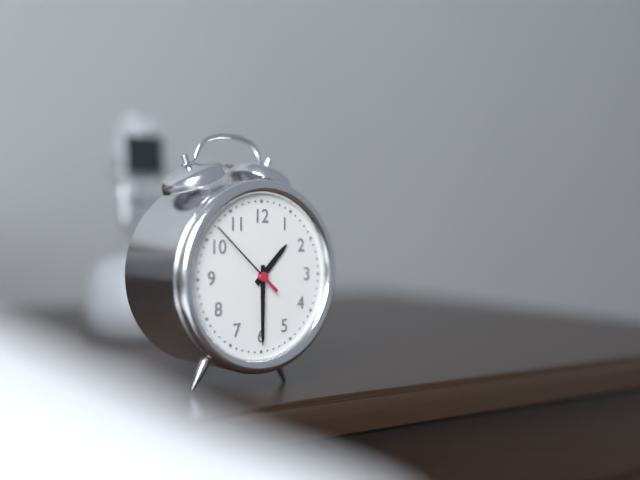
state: 1:30:52
